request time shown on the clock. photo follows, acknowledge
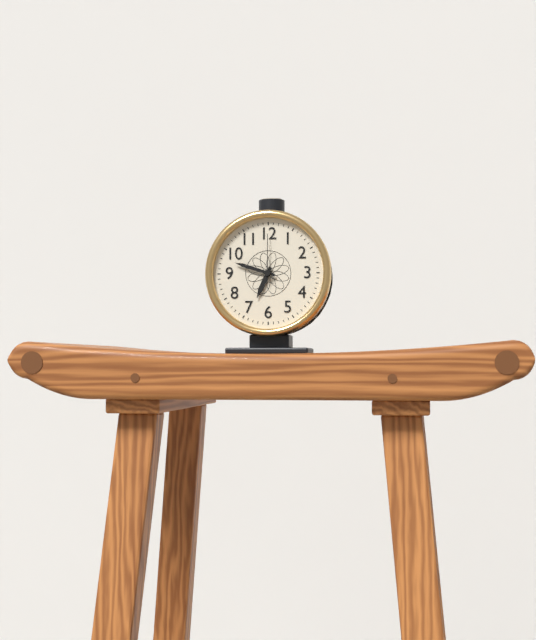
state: 6:48
